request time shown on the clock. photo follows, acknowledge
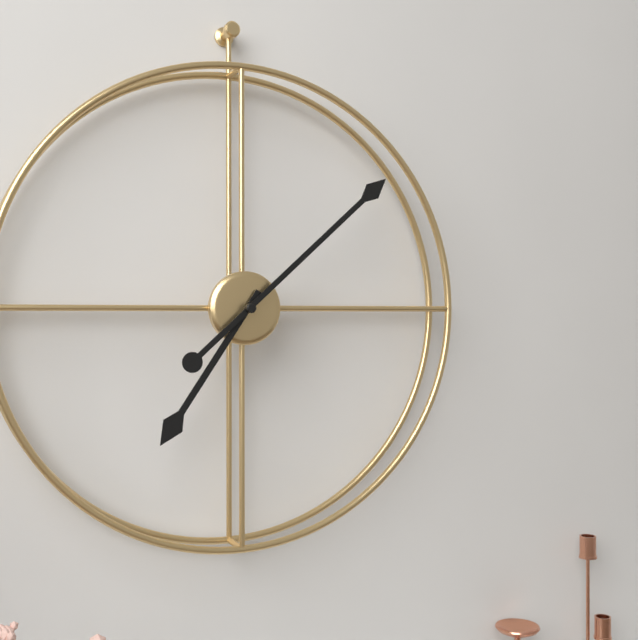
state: 7:08
